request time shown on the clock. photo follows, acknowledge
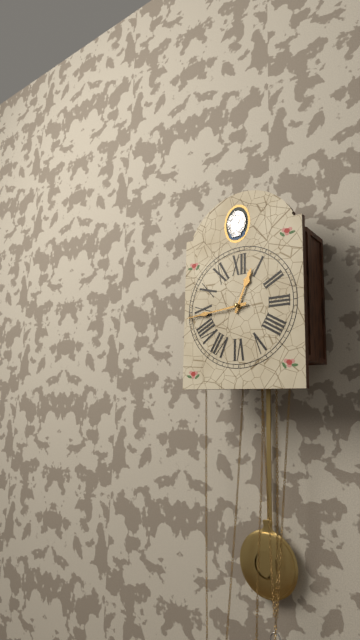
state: 12:44
